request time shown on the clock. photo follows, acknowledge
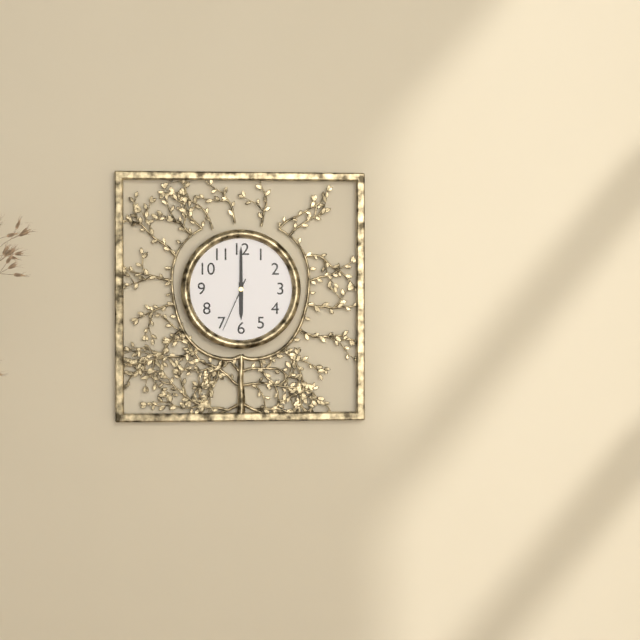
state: 6:00:34
